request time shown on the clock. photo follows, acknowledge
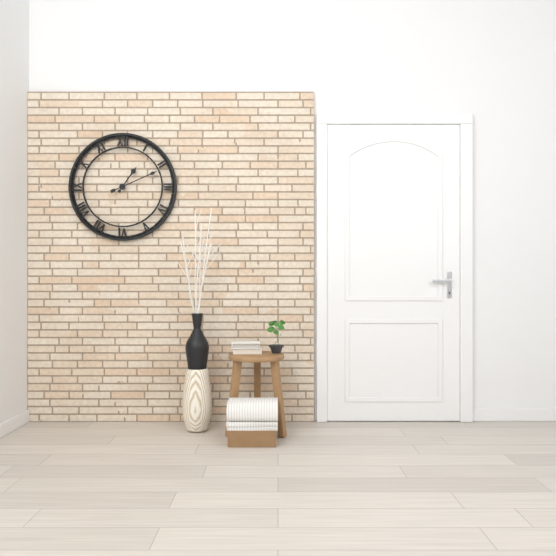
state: 1:11
